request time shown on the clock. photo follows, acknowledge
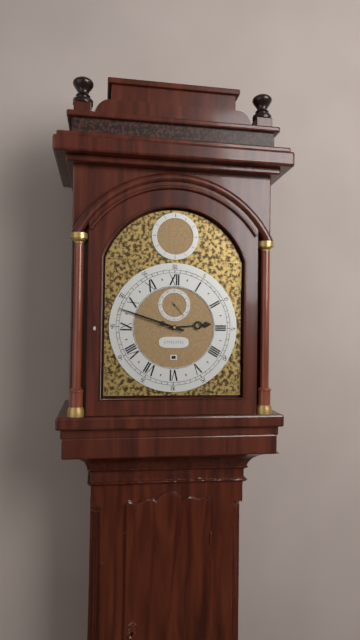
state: 2:48
